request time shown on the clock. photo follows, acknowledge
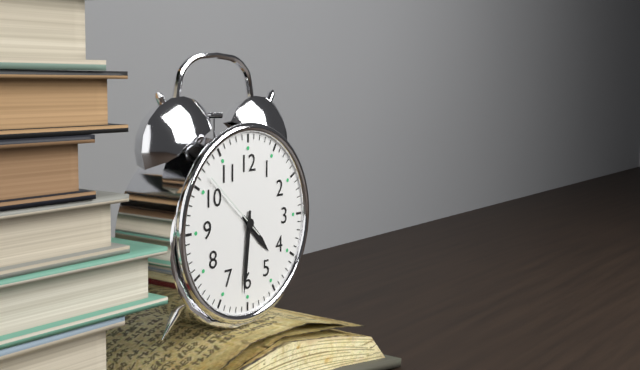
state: 4:31:52
